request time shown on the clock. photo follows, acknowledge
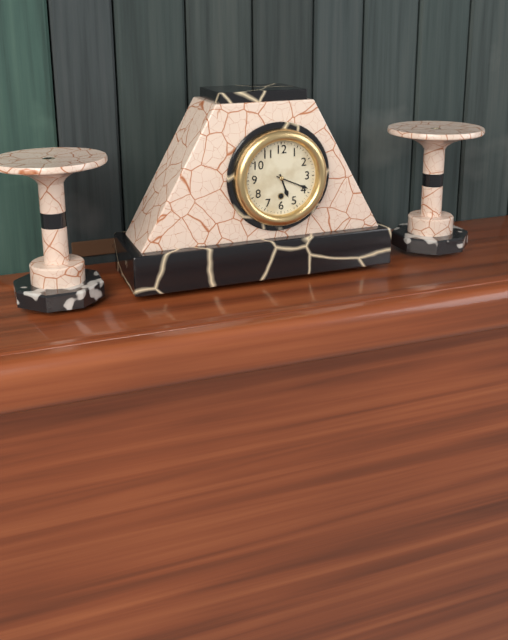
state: 5:19
